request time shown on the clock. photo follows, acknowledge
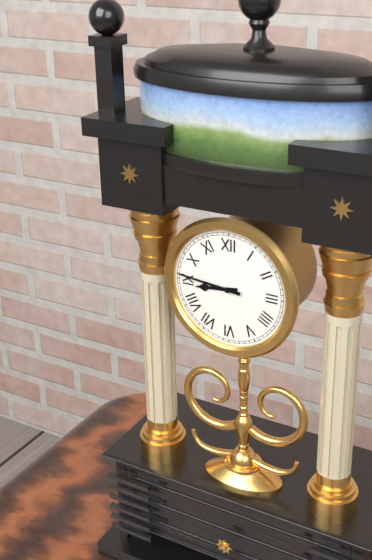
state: 8:46
